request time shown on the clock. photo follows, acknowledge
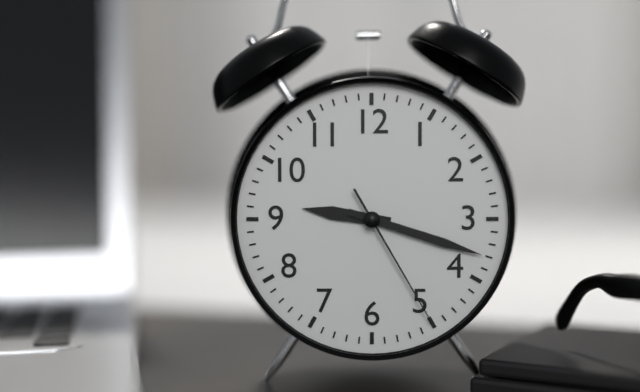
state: 9:18:25
